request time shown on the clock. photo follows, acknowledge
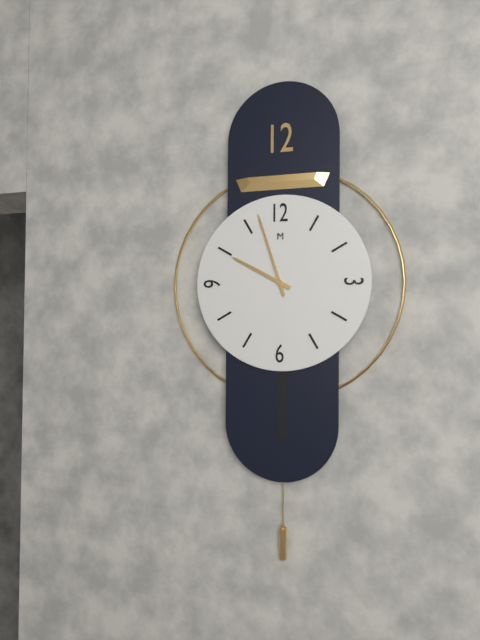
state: 9:57
